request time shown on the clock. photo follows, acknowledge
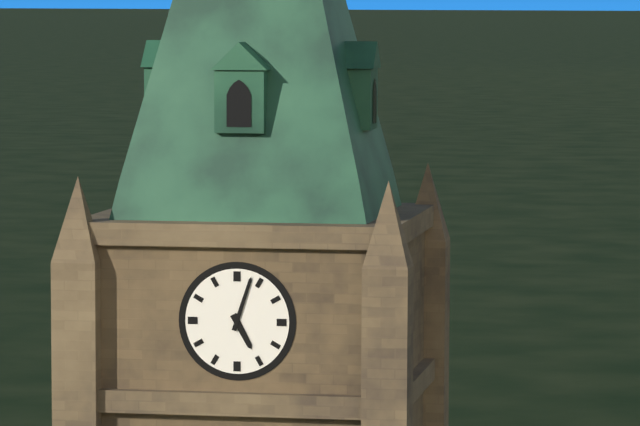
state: 5:03
